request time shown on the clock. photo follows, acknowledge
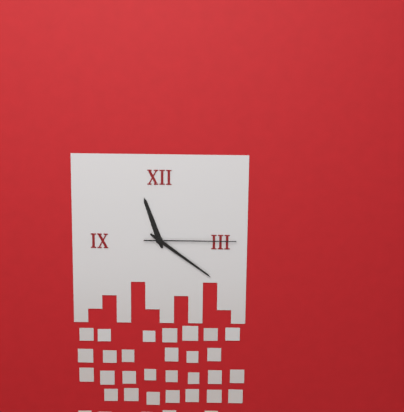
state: 11:21:15
